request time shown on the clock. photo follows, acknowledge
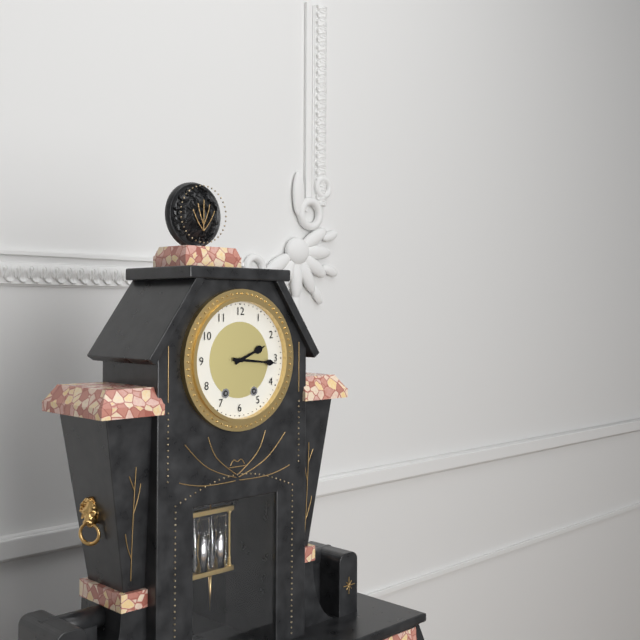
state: 2:16
